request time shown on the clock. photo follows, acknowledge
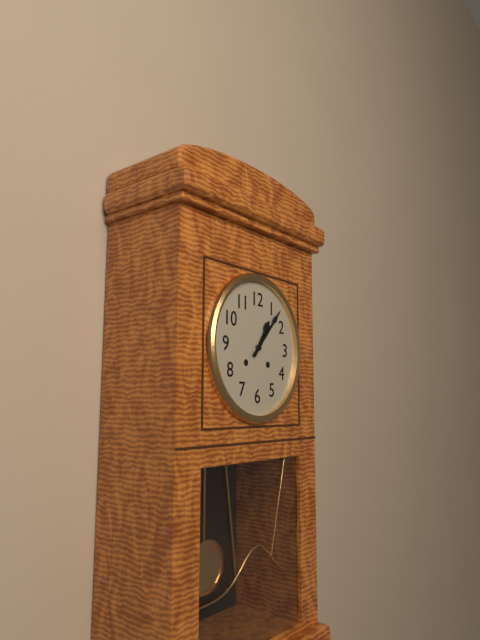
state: 1:07
